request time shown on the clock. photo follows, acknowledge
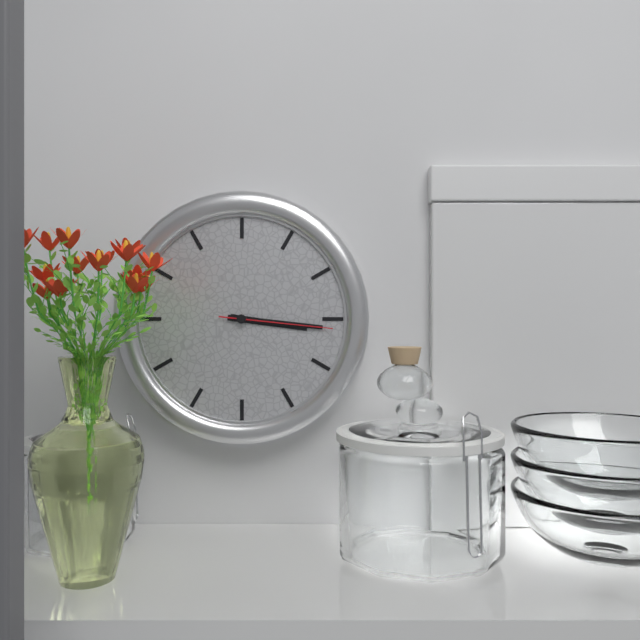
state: 3:16:16
